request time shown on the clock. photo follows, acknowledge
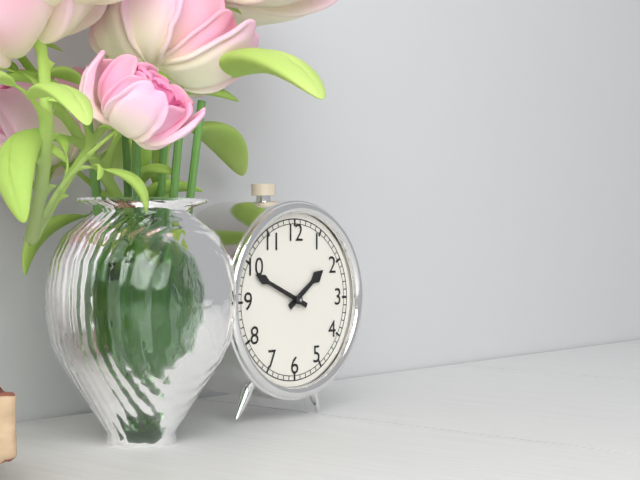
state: 1:49
